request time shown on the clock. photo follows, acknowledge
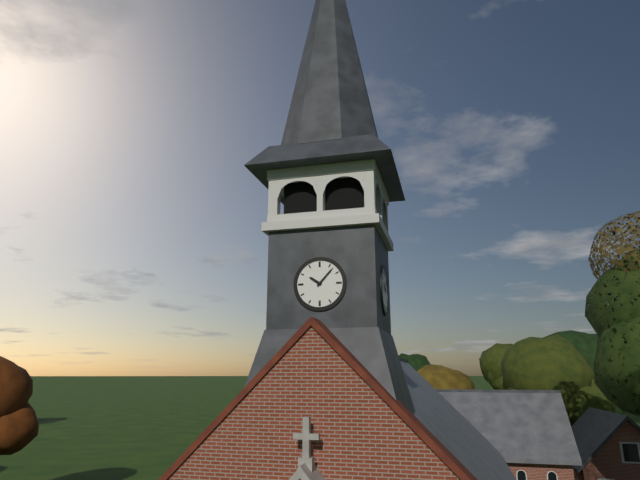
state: 10:07
